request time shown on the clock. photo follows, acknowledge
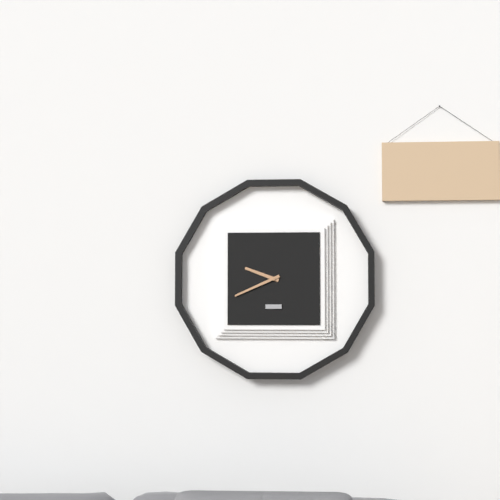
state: 9:41
